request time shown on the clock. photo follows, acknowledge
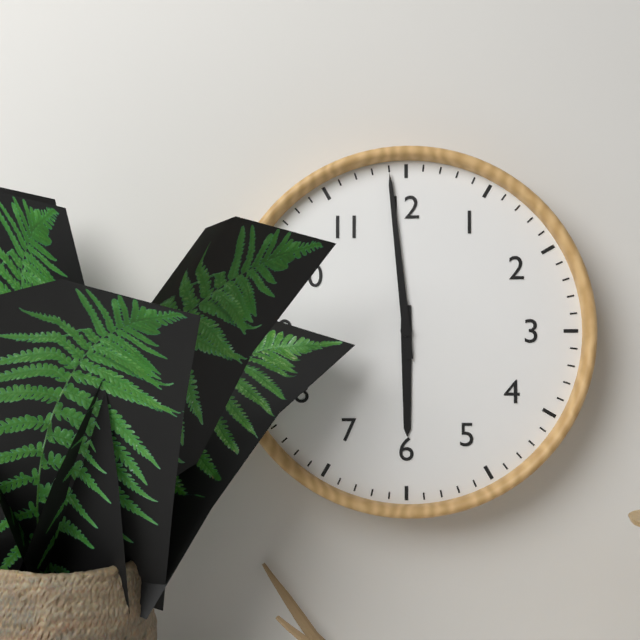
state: 5:59
